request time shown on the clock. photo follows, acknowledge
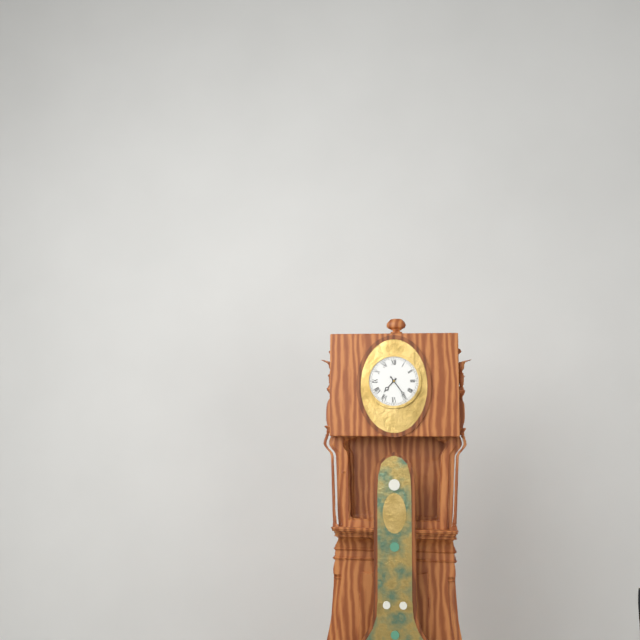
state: 7:24
